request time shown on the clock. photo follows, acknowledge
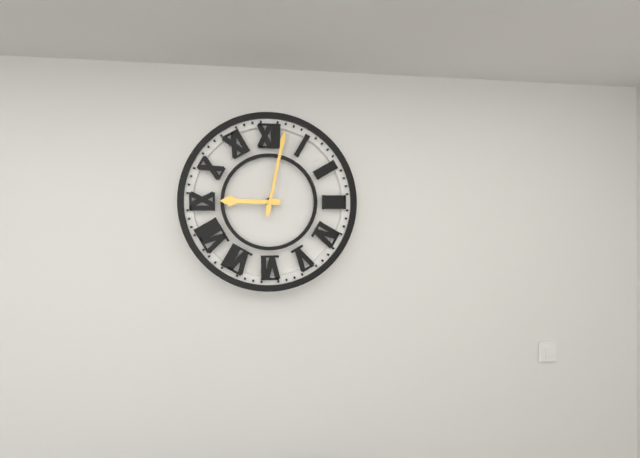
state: 9:02
